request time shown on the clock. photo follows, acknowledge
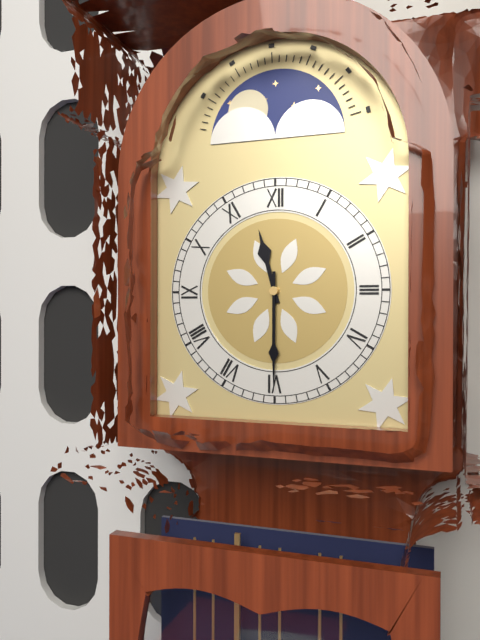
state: 11:30
